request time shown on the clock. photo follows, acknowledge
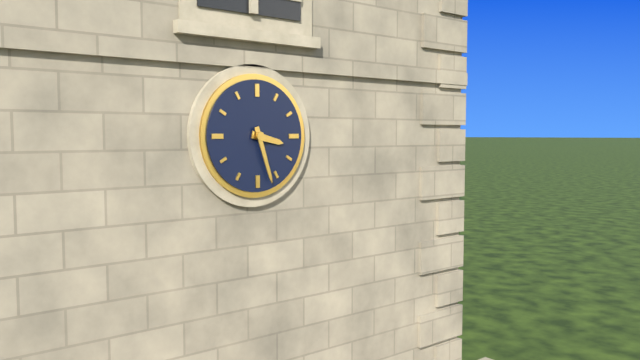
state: 3:27
